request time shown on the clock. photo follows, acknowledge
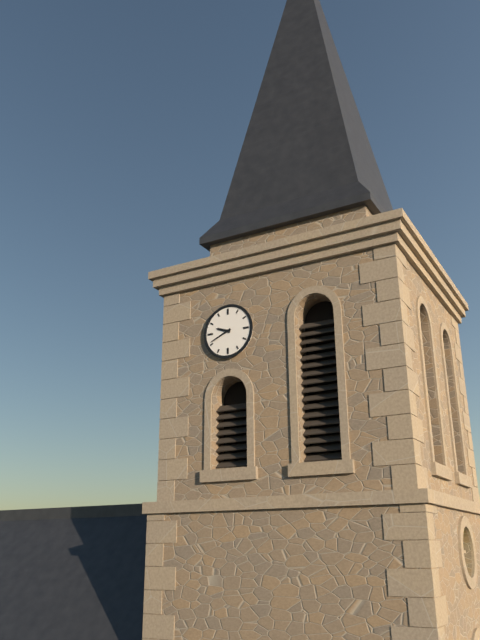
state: 9:41
